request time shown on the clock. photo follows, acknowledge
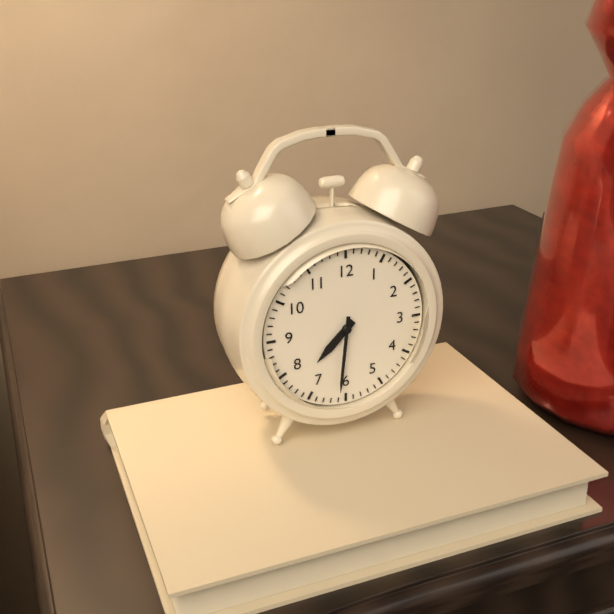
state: 7:31
